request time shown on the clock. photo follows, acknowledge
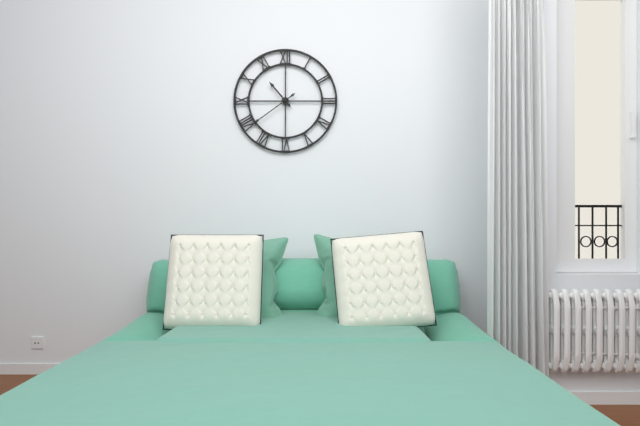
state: 10:39
